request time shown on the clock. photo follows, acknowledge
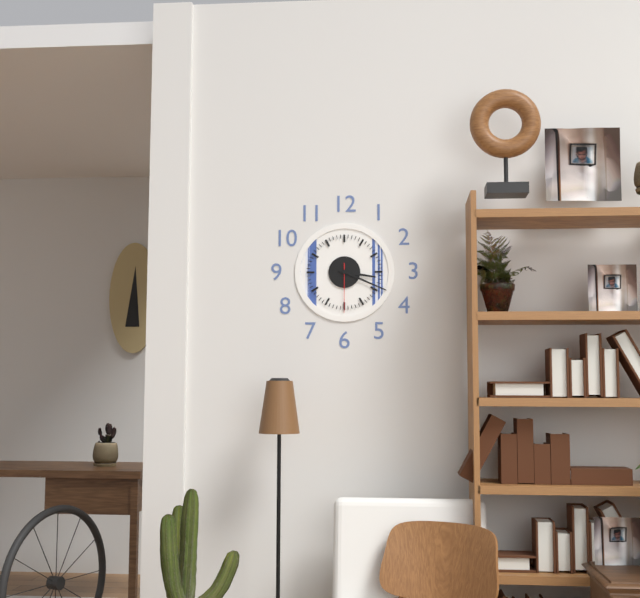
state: 3:19:30
